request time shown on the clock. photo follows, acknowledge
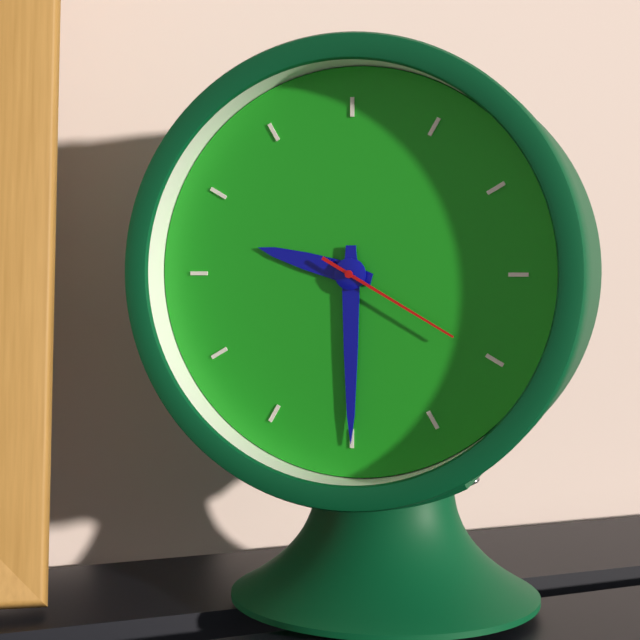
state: 9:30:20
